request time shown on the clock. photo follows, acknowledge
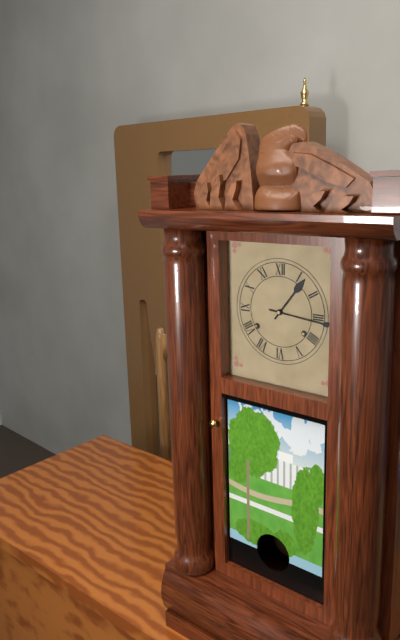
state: 1:16
